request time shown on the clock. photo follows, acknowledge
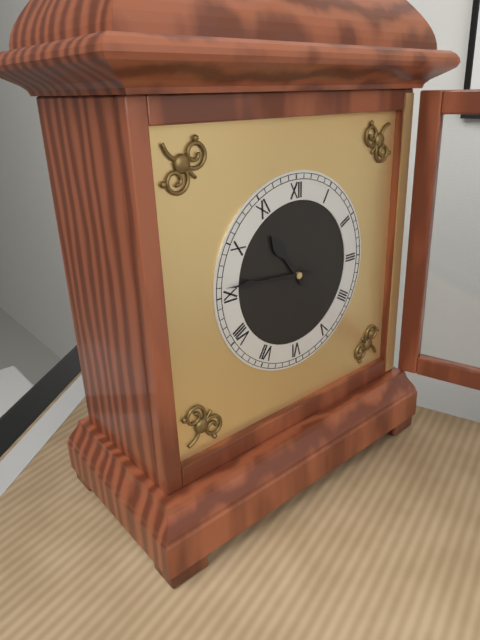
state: 10:46
